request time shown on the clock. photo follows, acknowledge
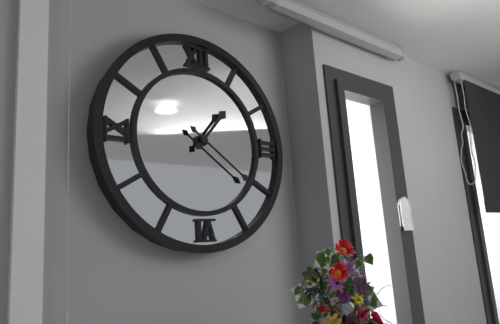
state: 1:21
